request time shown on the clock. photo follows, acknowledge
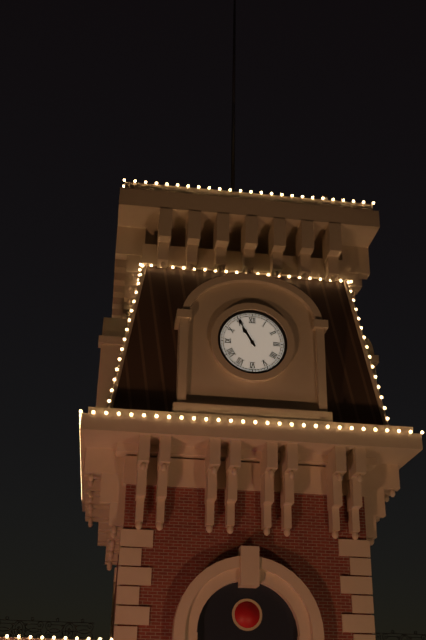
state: 10:55
